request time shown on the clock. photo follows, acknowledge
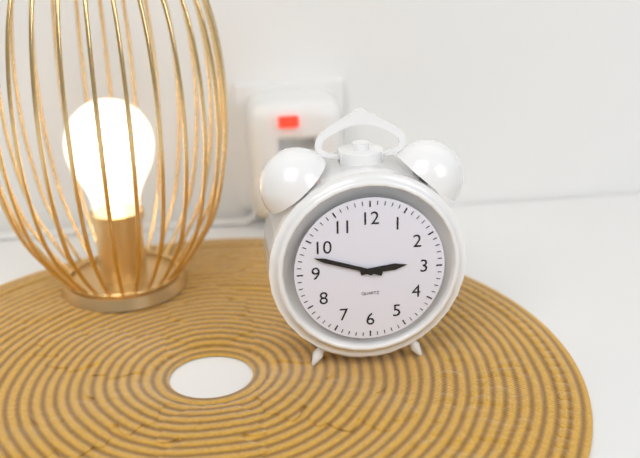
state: 2:48
